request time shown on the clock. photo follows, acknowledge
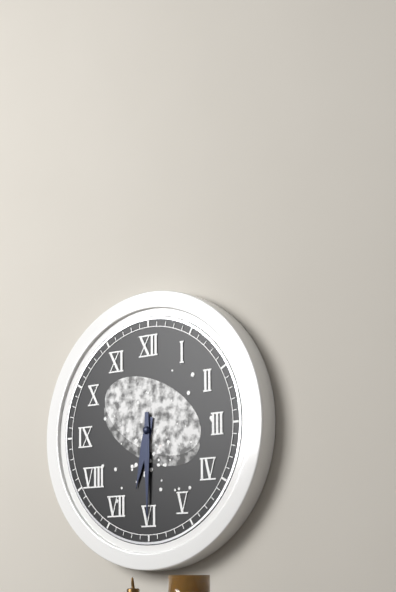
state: 6:30
